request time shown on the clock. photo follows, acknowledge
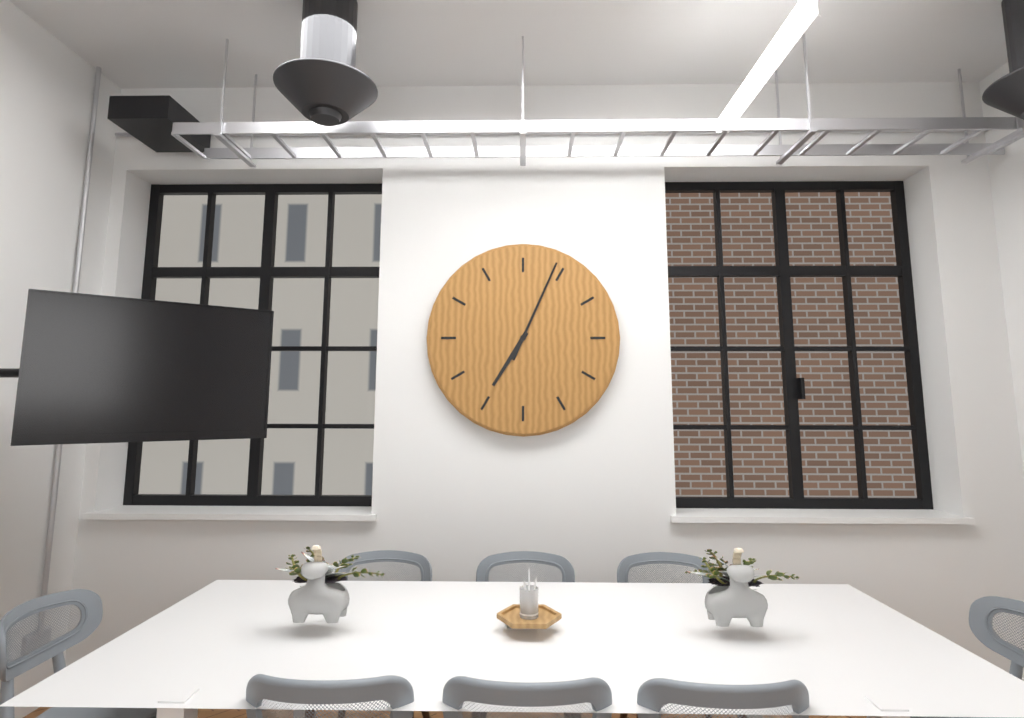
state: 7:04
